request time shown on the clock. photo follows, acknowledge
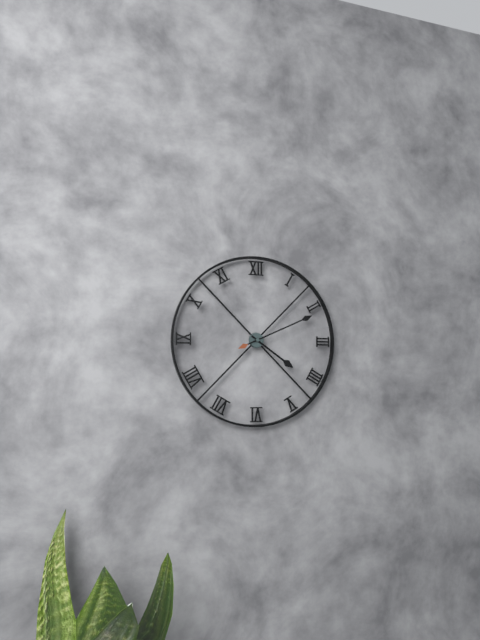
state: 4:11
